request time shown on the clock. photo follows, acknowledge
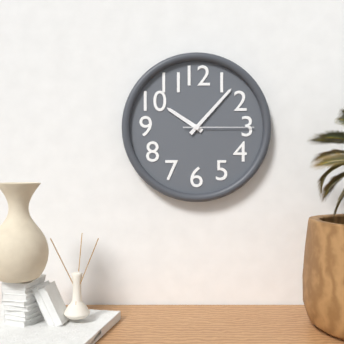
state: 10:07:15
